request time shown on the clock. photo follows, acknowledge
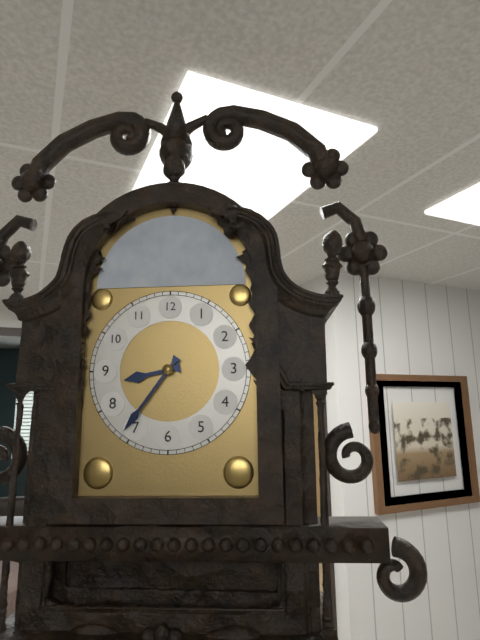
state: 8:36
